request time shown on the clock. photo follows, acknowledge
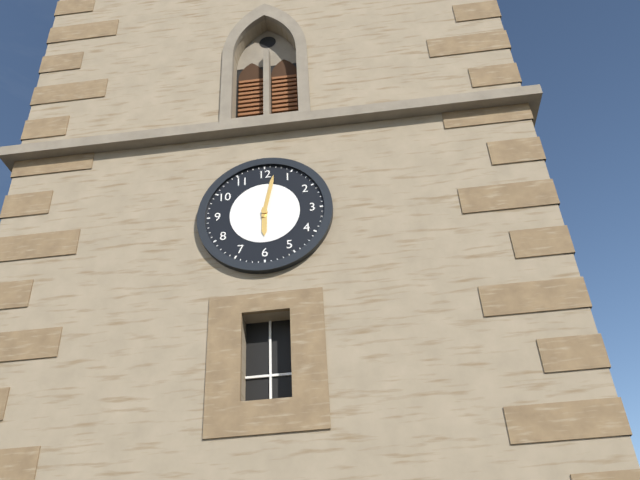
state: 6:02
